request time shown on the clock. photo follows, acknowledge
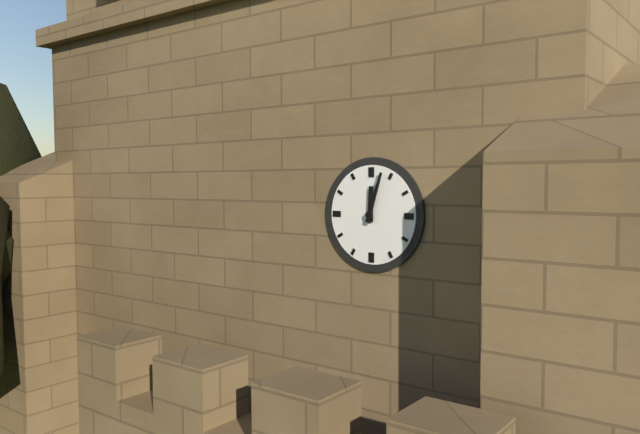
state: 12:03
